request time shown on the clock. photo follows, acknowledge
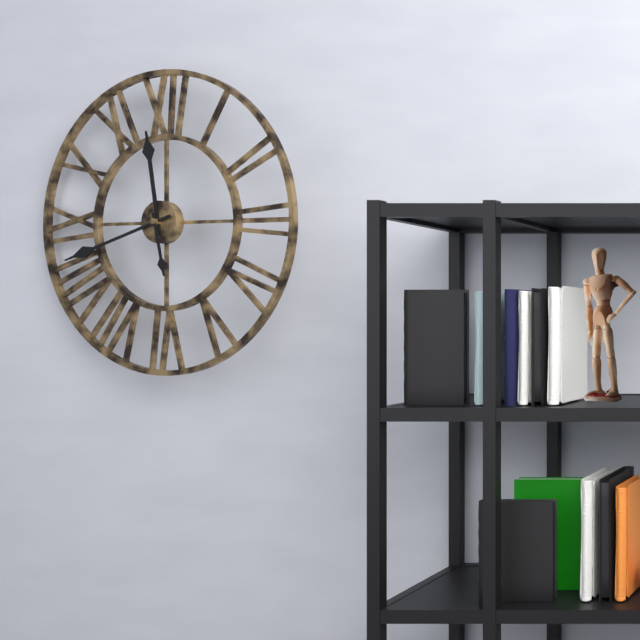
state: 11:42:28
